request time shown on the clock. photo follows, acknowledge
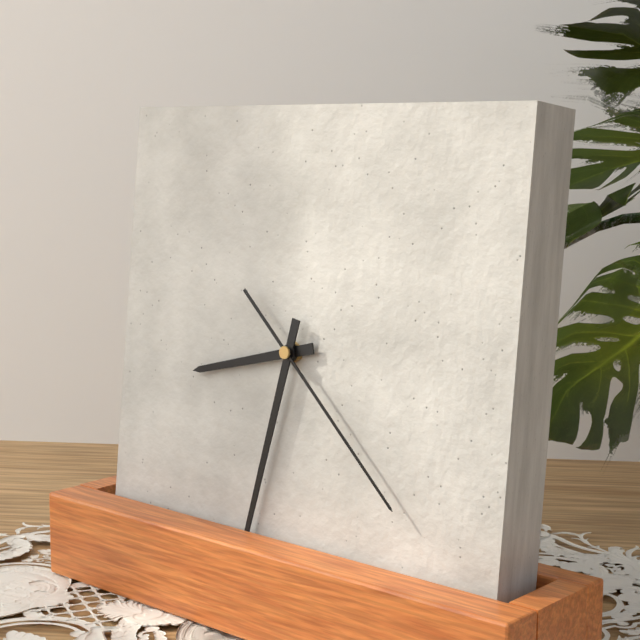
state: 8:32:22
